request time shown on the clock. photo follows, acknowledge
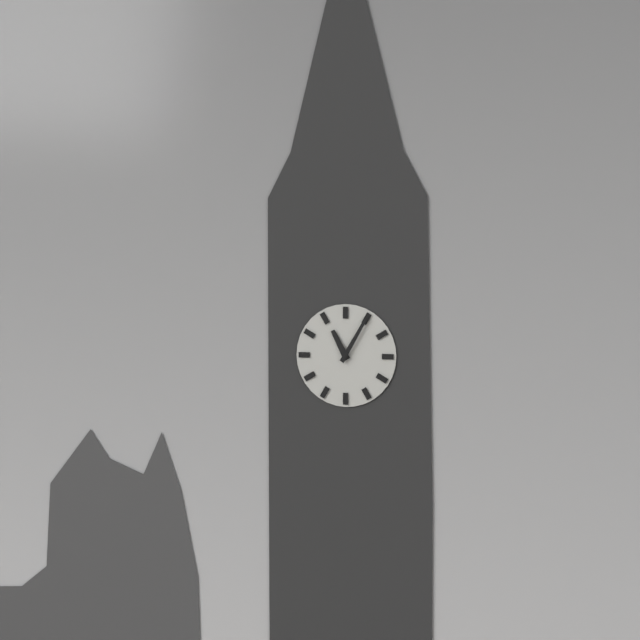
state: 11:05
